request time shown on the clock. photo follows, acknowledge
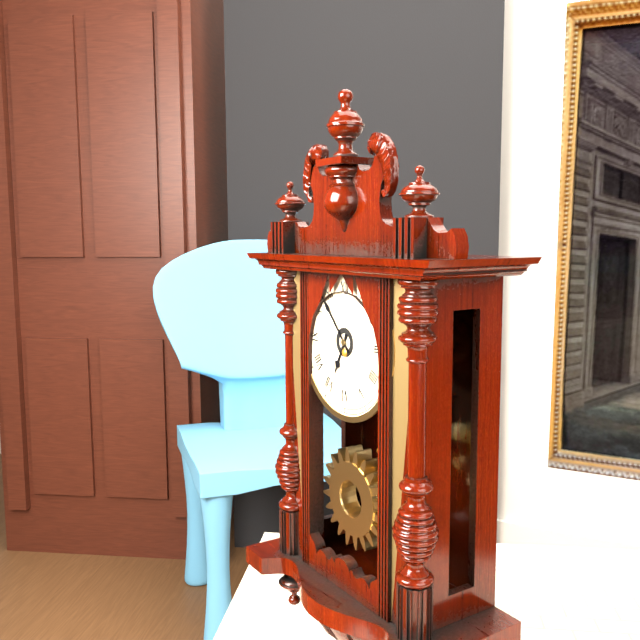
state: 6:53
